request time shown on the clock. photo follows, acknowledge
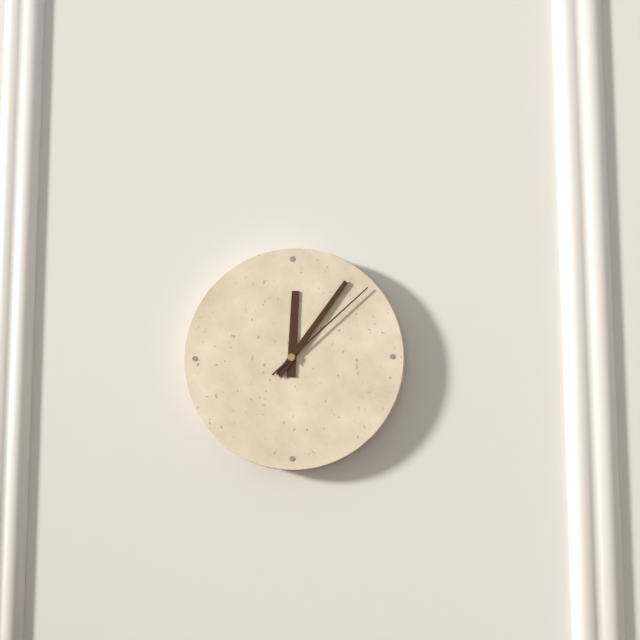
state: 12:06:08
